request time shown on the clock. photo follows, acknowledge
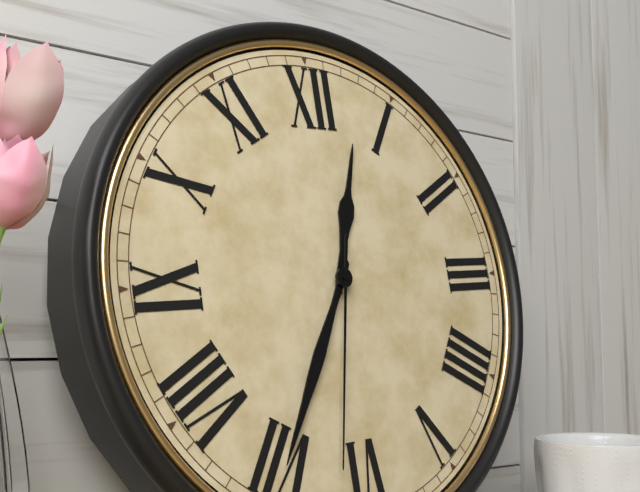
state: 12:35:32
